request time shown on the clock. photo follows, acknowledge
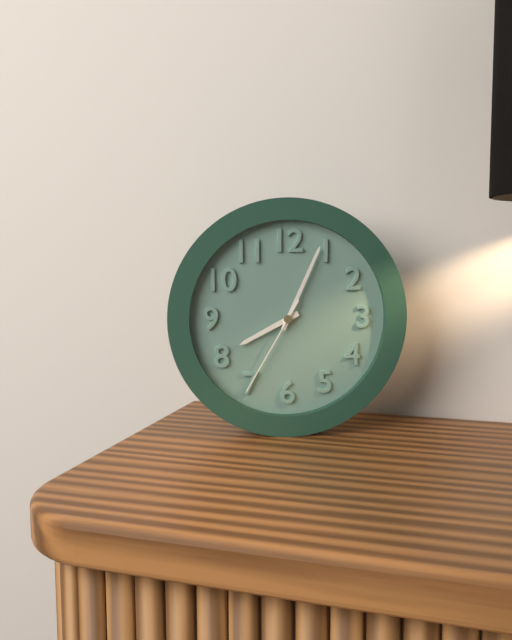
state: 8:04:35
